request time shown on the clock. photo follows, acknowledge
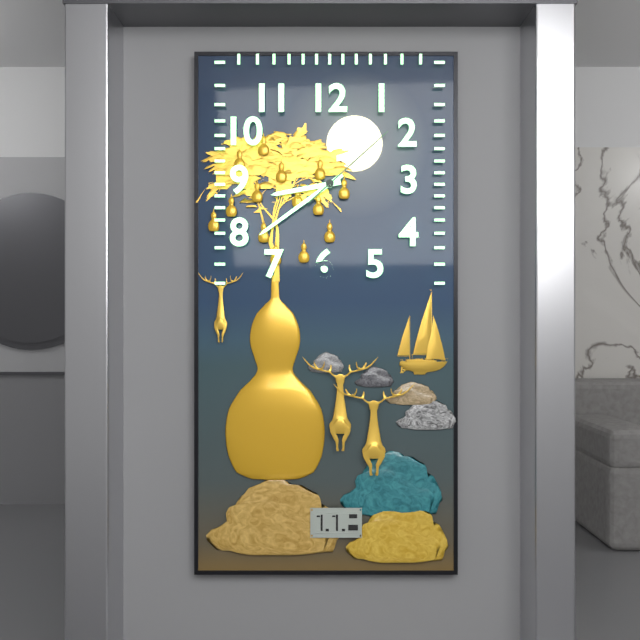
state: 8:39:08
